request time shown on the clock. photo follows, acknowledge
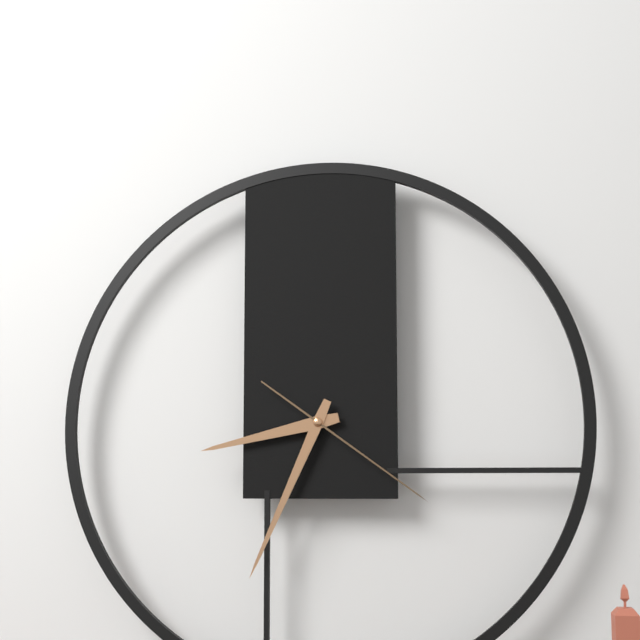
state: 8:34:21
